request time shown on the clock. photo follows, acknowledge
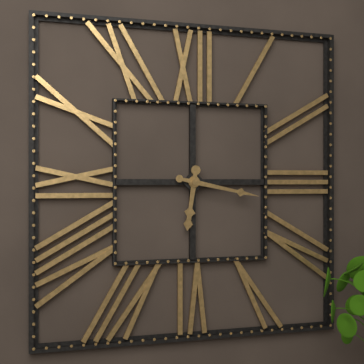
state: 6:17
